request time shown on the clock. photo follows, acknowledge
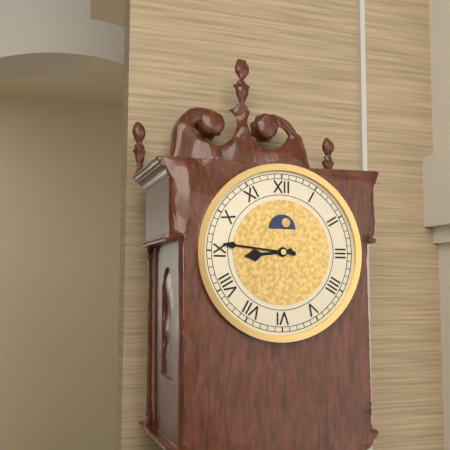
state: 8:46
